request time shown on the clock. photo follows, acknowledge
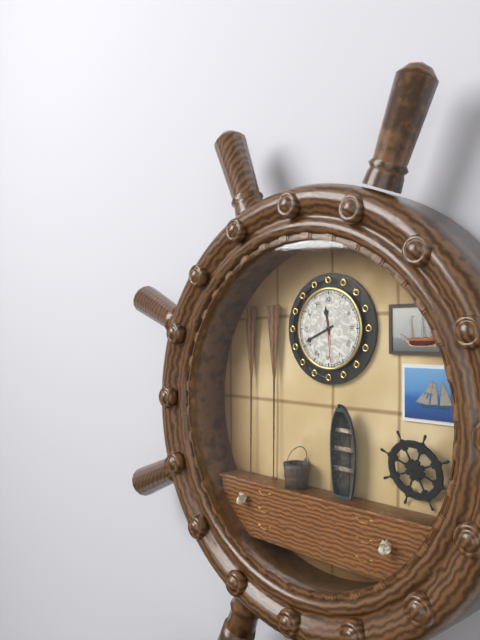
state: 11:41
